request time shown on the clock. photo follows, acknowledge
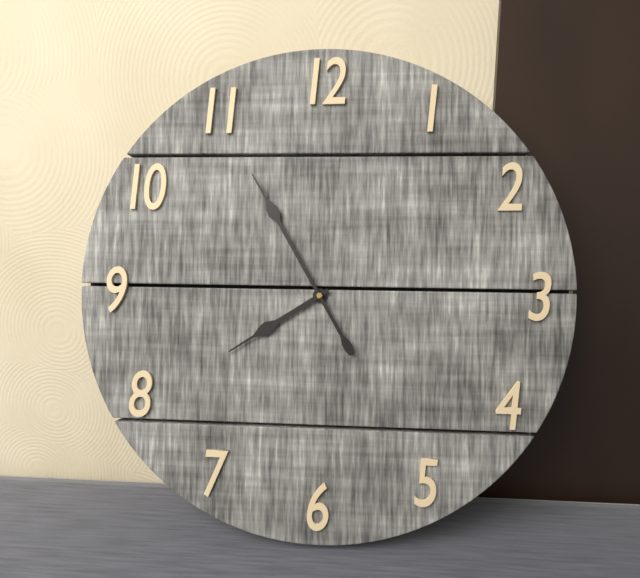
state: 7:55
